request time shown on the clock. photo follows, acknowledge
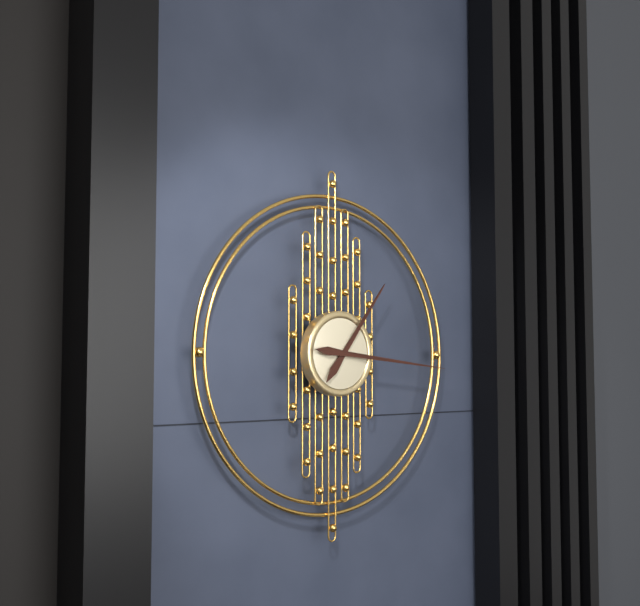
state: 1:16
